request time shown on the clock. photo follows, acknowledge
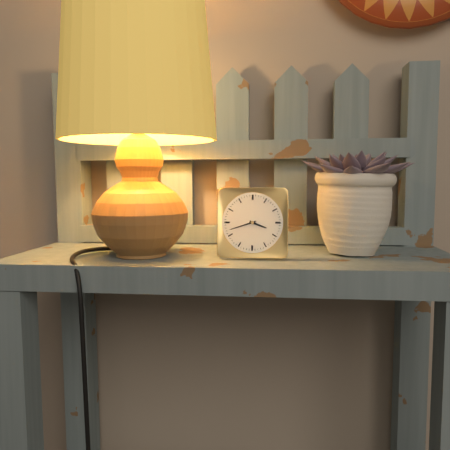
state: 3:42
